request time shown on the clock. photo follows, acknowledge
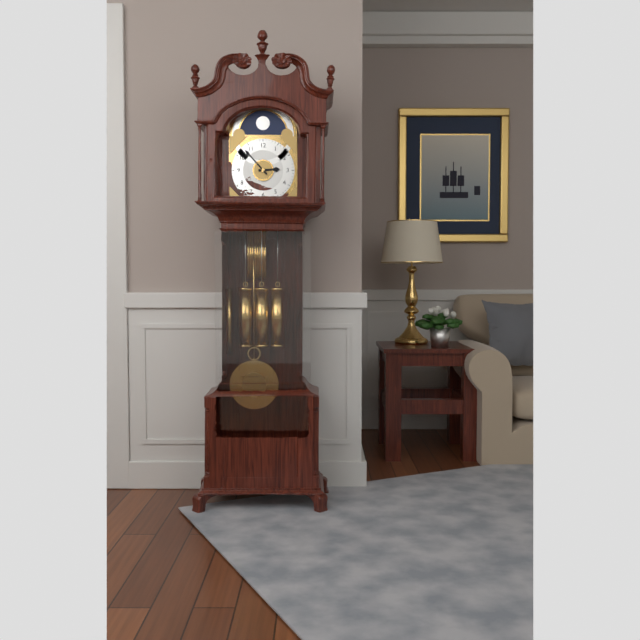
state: 2:53
